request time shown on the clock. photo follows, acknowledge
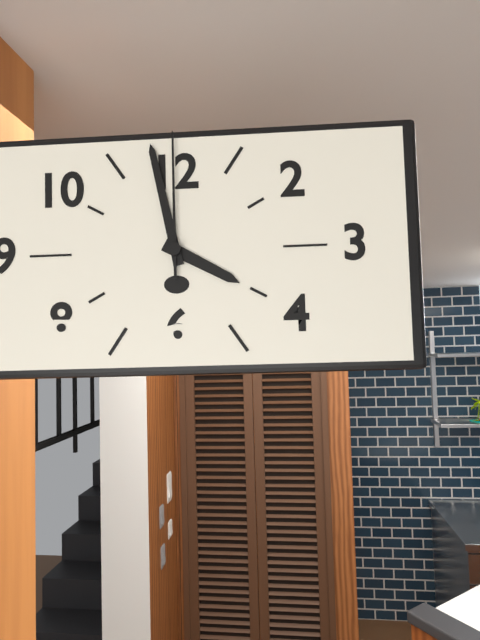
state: 3:58:00
